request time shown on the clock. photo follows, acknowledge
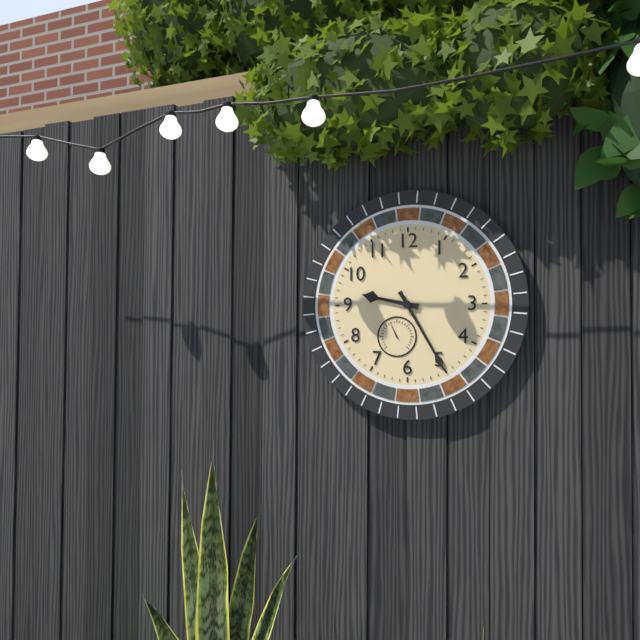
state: 9:25
